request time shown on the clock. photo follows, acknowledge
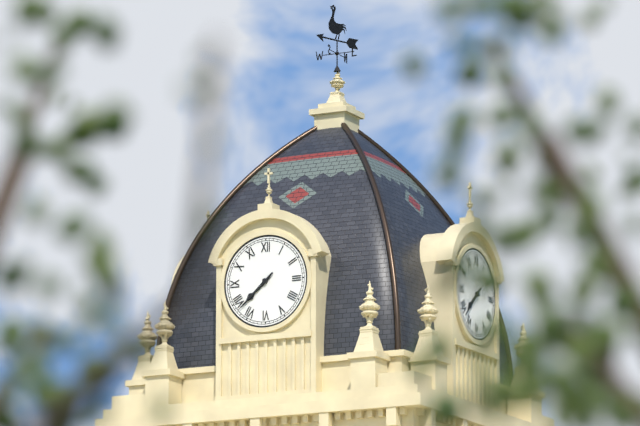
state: 7:38
